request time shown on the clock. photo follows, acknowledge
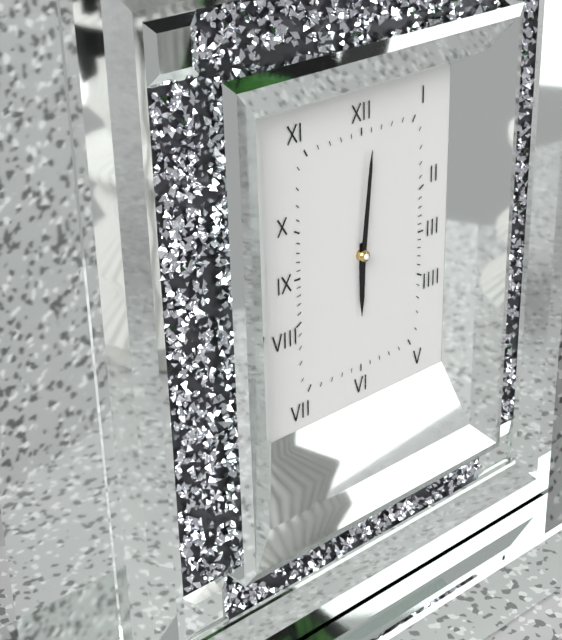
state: 6:01
